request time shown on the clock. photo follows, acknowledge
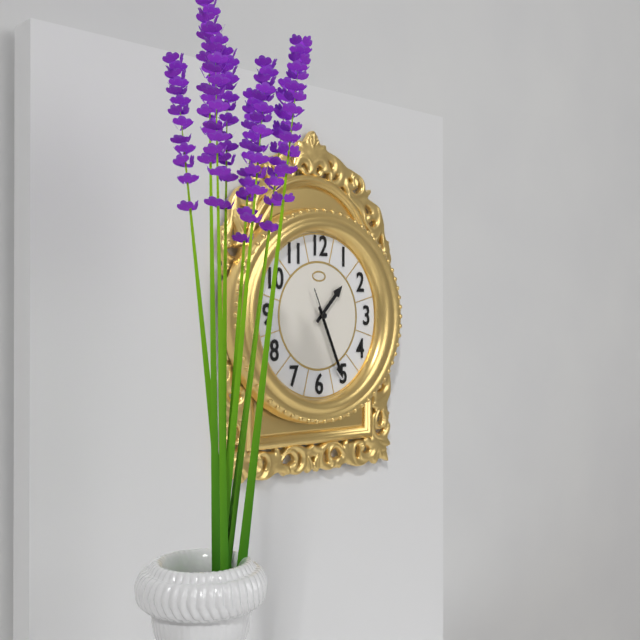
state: 1:26:26
